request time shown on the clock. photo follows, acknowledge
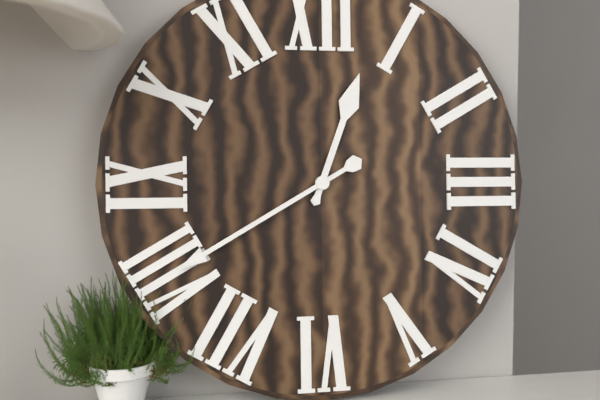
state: 12:40
